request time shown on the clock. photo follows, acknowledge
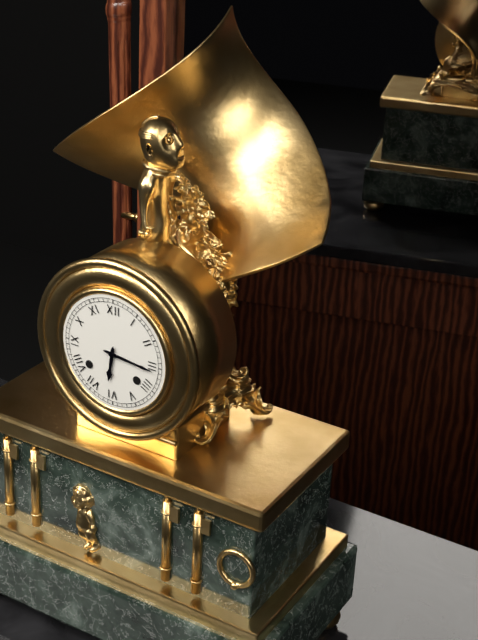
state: 6:16
